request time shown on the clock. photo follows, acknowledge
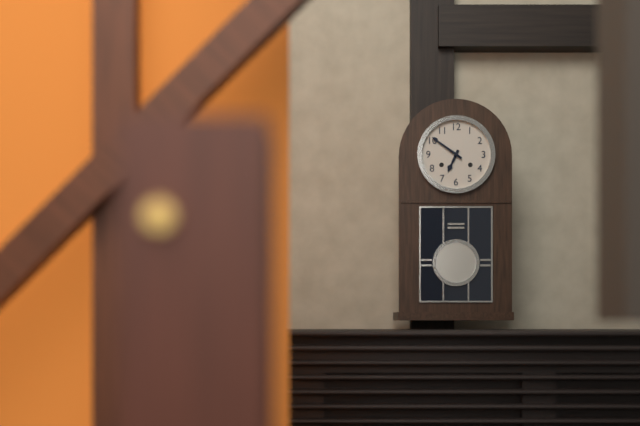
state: 6:51
